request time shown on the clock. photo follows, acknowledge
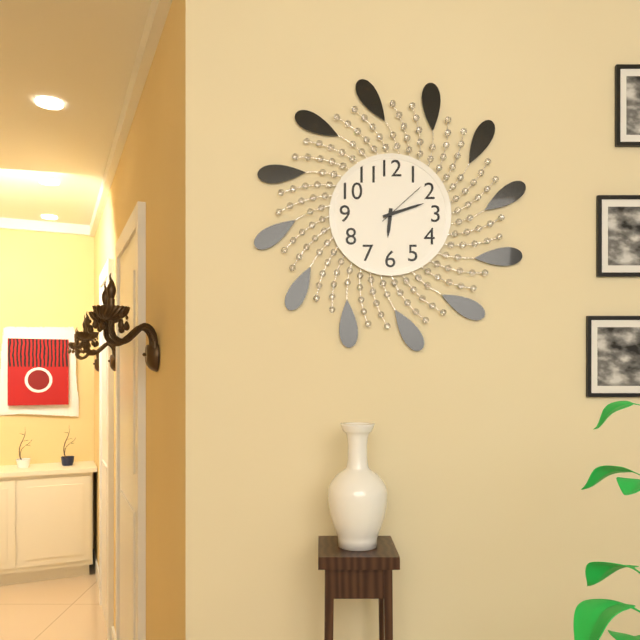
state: 6:12:08
